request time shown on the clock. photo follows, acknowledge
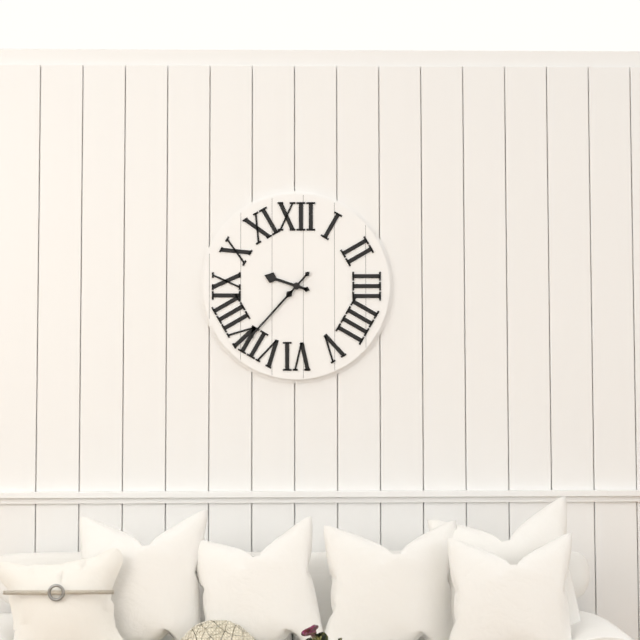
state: 9:37
